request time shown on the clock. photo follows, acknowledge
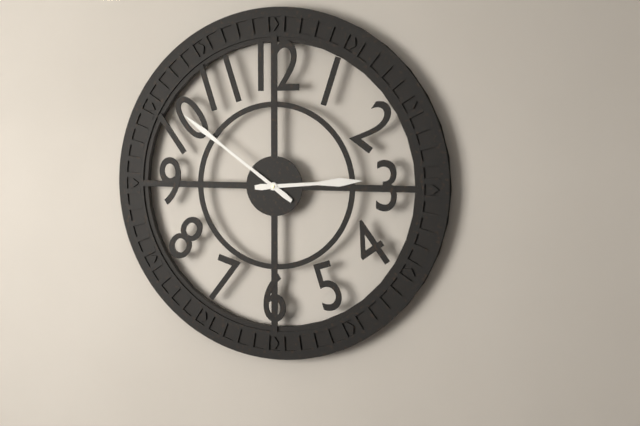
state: 2:51
